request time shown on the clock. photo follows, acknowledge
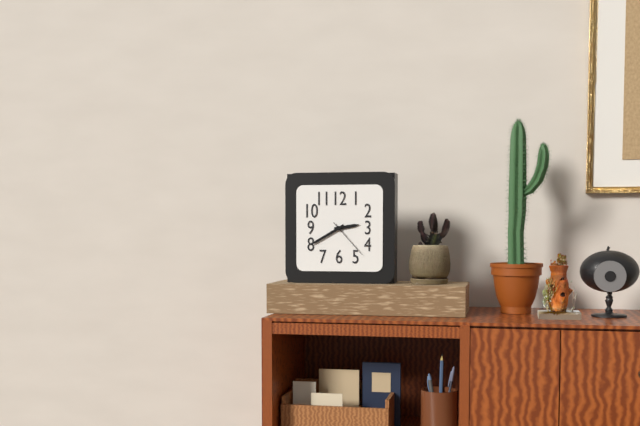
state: 2:40
